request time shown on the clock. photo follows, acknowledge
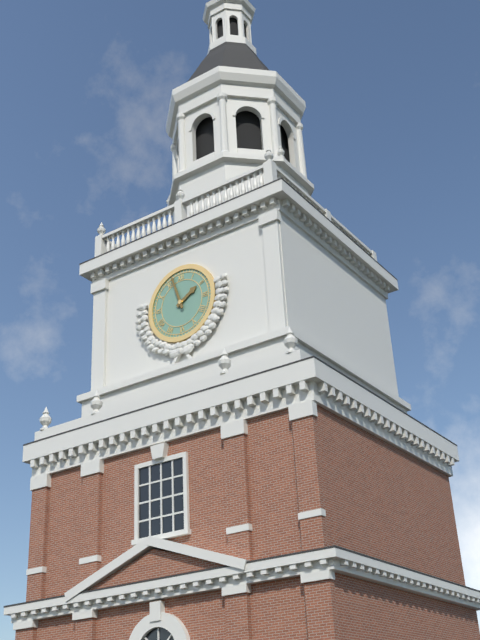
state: 1:57
